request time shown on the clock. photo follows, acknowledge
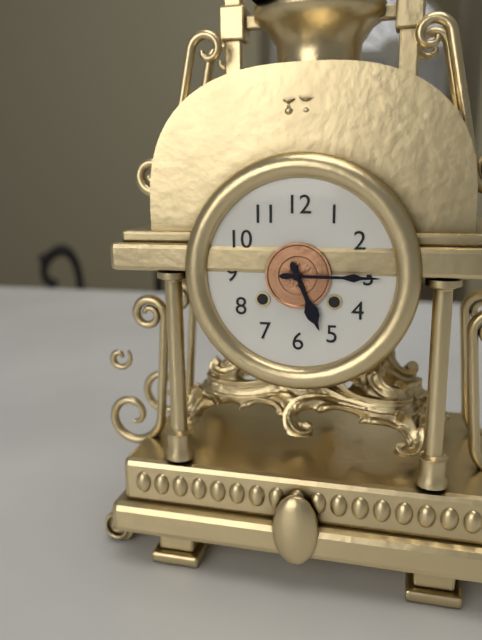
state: 5:15
